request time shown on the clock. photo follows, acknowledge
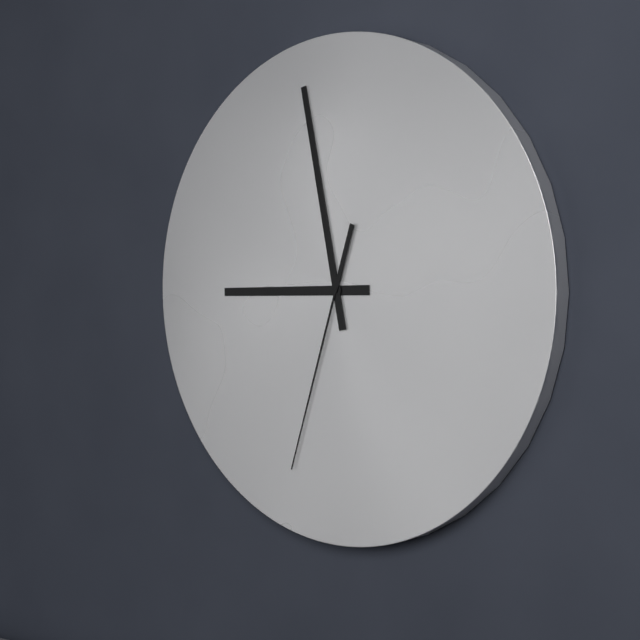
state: 8:58:33
